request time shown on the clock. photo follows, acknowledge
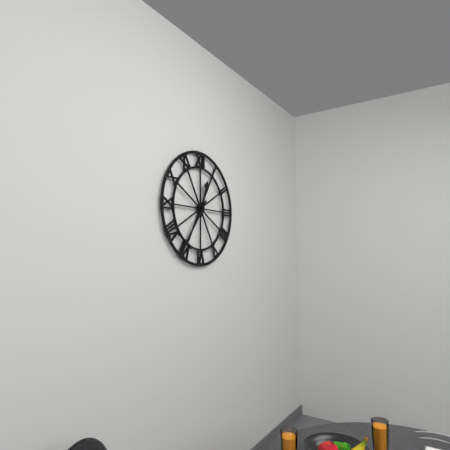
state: 12:36
